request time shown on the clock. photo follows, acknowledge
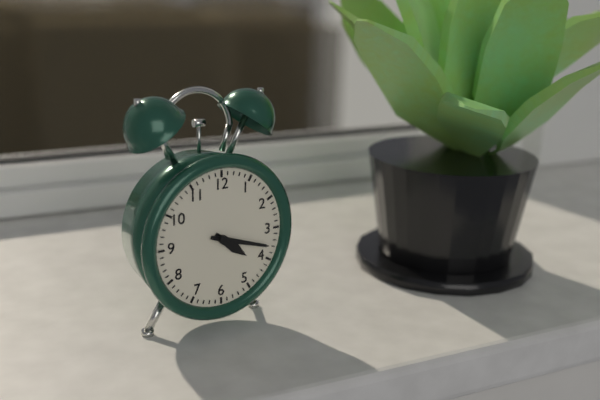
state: 4:18
